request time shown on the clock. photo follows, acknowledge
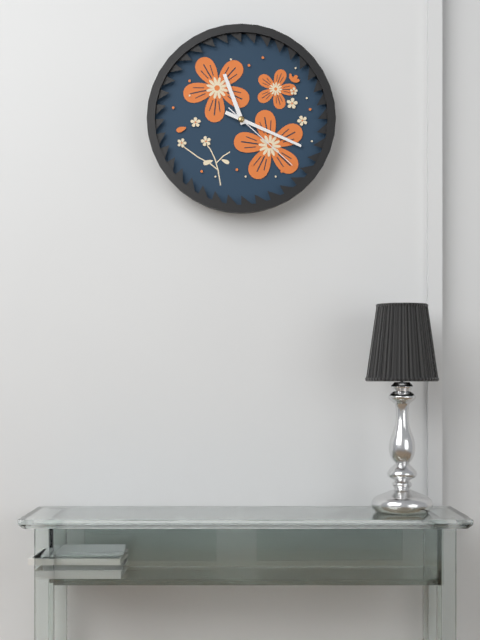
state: 11:19:22
